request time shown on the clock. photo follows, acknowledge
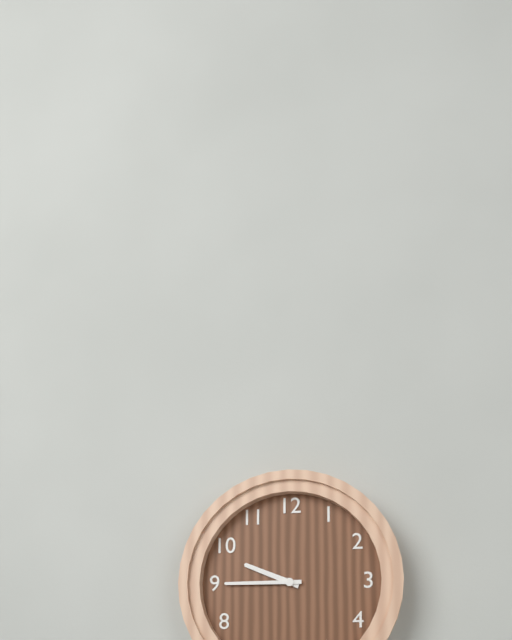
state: 9:45
